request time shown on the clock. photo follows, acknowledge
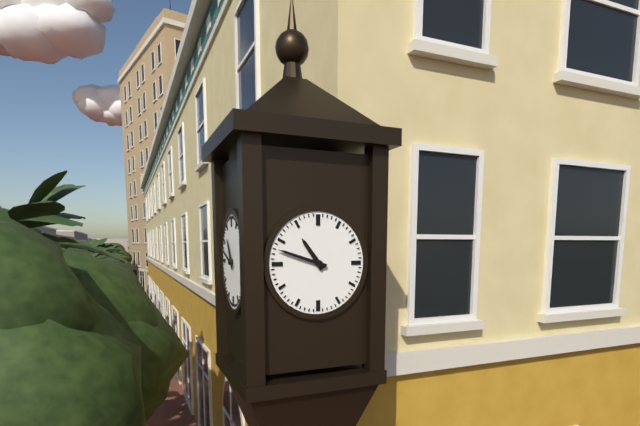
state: 10:48
